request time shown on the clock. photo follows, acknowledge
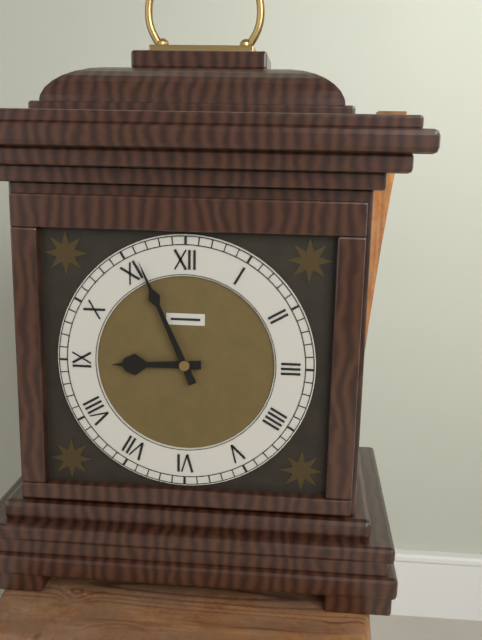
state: 8:56
